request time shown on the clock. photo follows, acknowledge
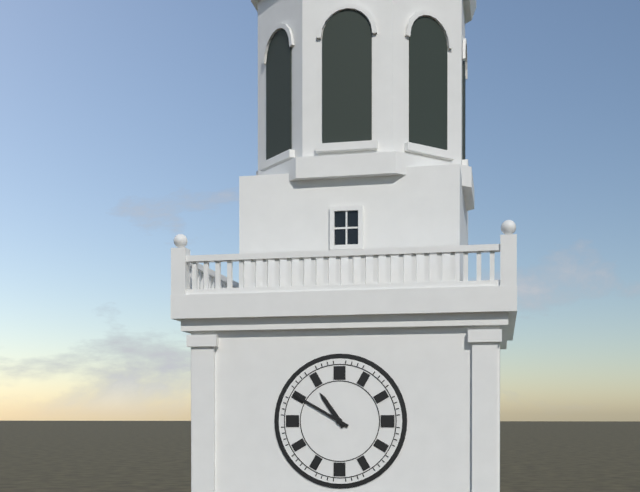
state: 10:50
